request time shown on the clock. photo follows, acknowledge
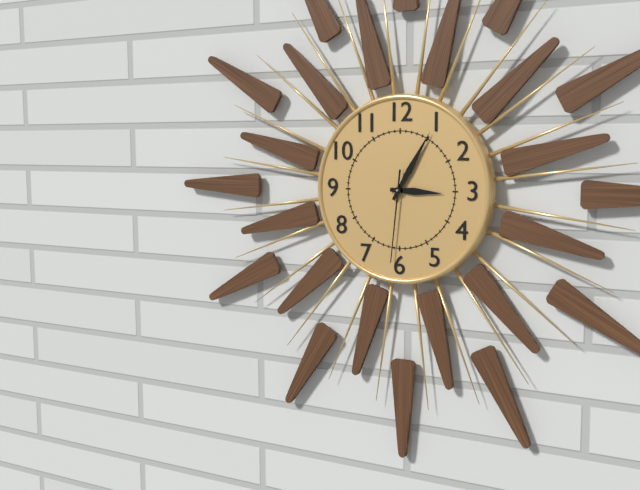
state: 3:05:31
